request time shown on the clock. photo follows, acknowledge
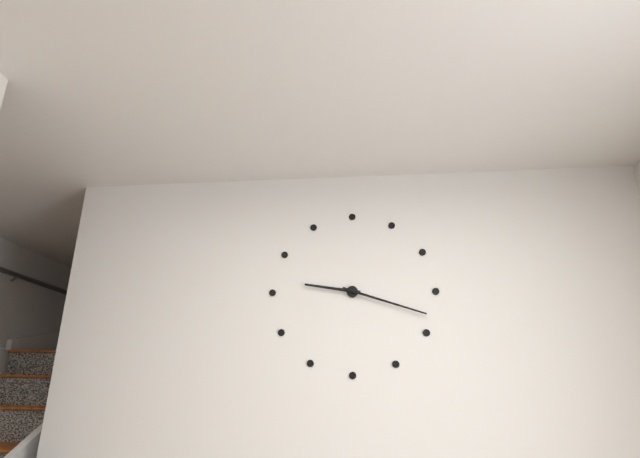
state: 9:18
